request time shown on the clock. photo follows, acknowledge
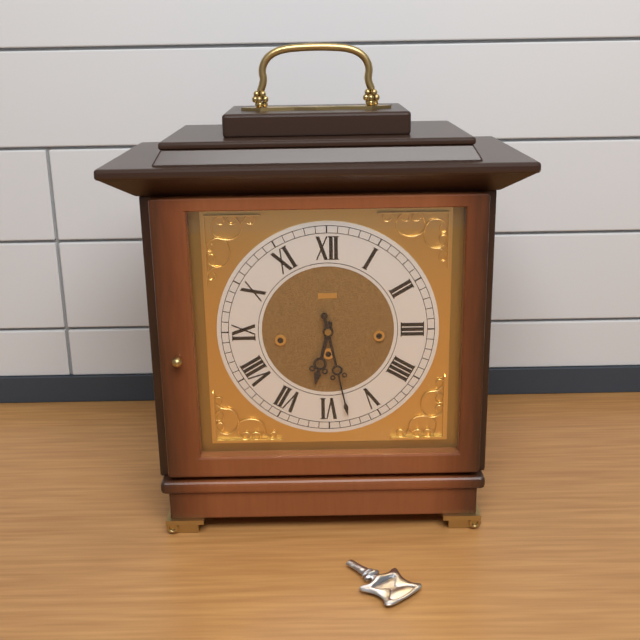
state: 6:28
